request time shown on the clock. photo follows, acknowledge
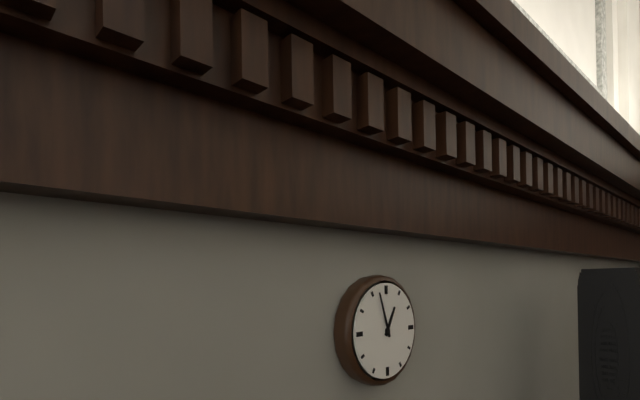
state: 12:57
